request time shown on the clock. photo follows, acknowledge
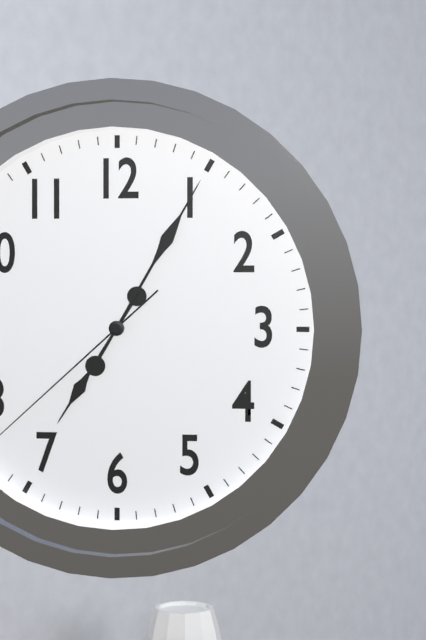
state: 7:05
